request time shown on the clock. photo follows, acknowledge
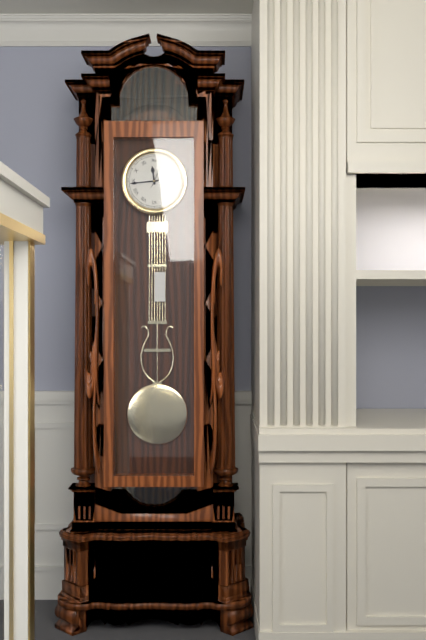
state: 11:44
